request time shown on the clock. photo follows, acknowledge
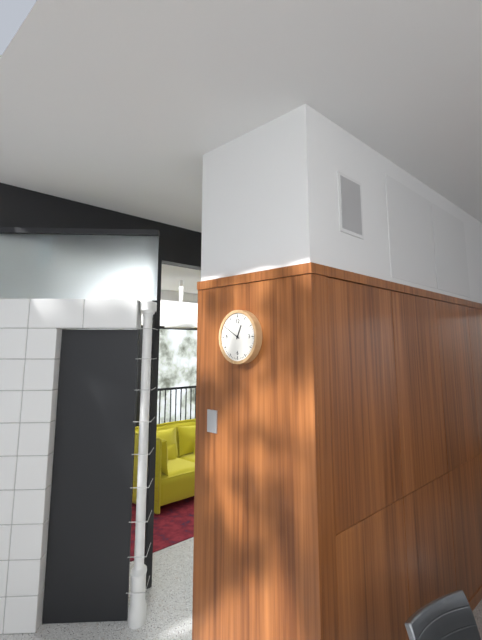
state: 12:50
